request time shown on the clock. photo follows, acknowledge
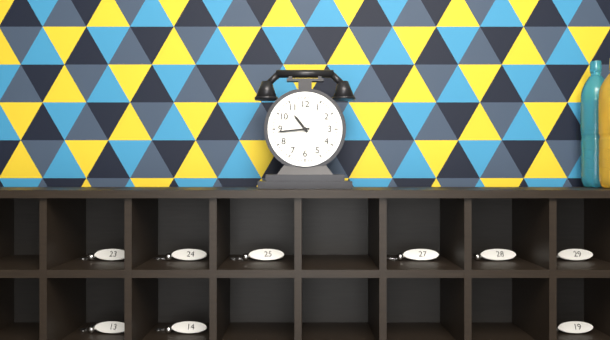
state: 10:44
